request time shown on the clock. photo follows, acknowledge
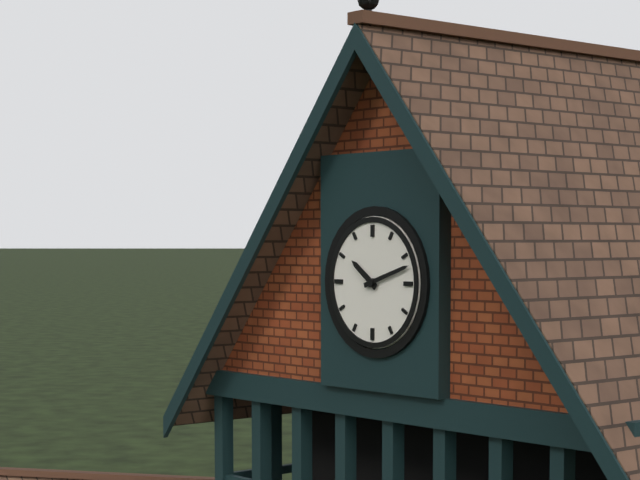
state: 10:12
